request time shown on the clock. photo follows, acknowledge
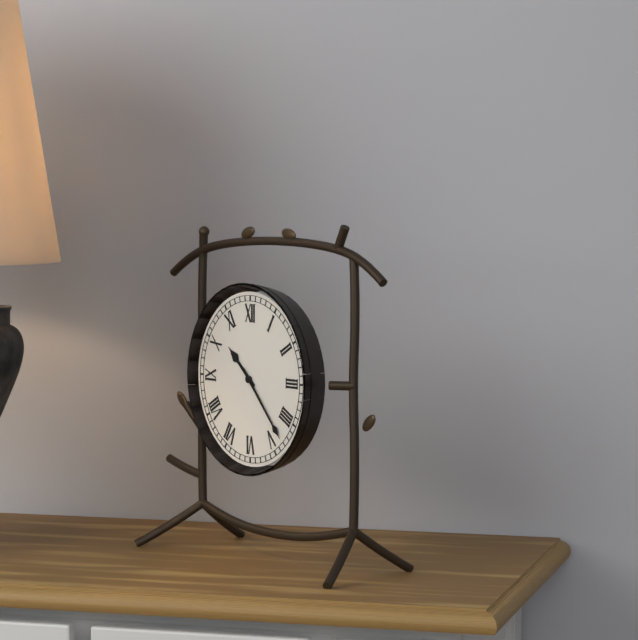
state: 10:23
